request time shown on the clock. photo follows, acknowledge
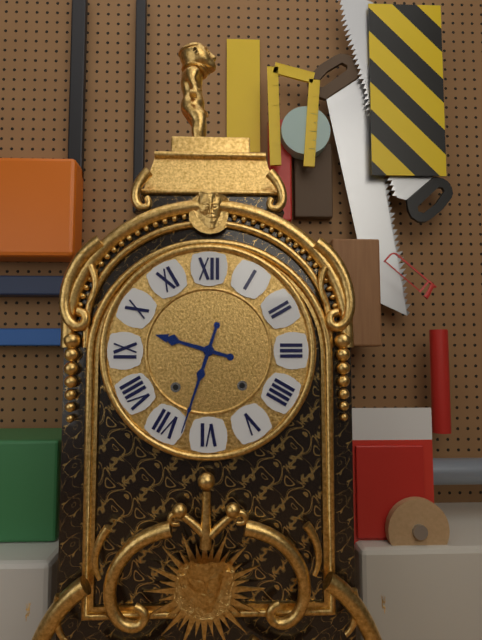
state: 9:33
